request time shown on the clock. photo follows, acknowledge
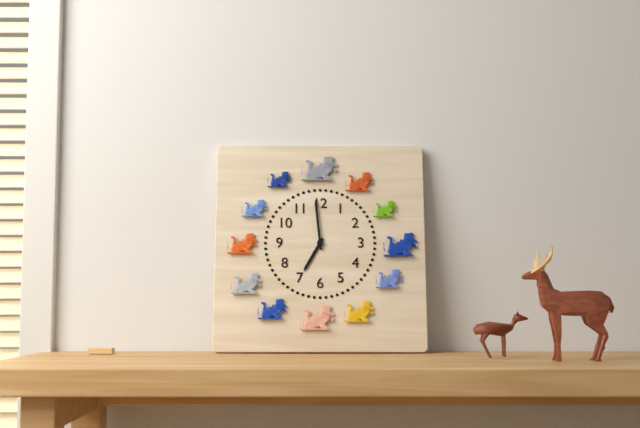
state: 6:59
